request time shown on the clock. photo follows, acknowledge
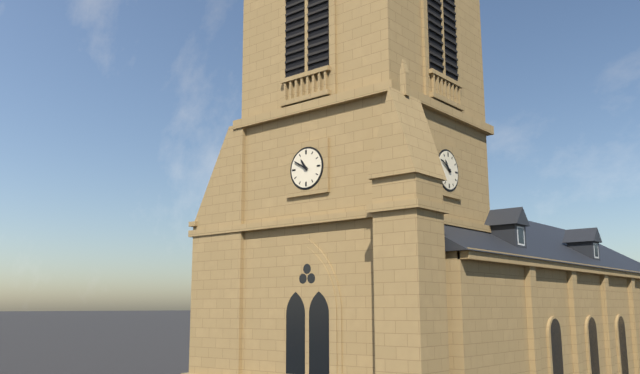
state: 10:50
